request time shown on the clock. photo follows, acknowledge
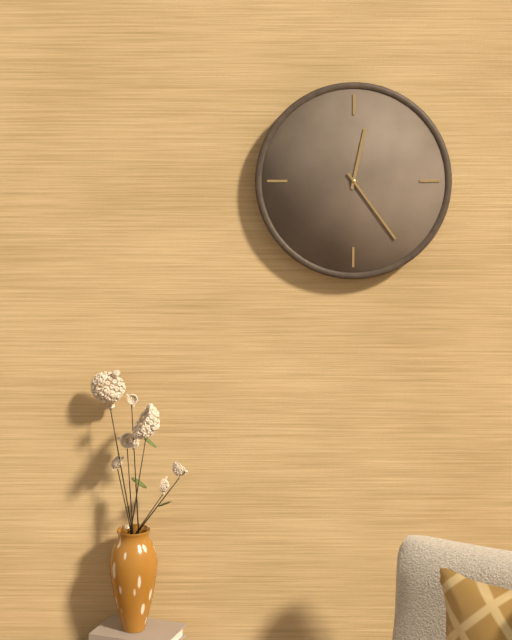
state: 12:24
